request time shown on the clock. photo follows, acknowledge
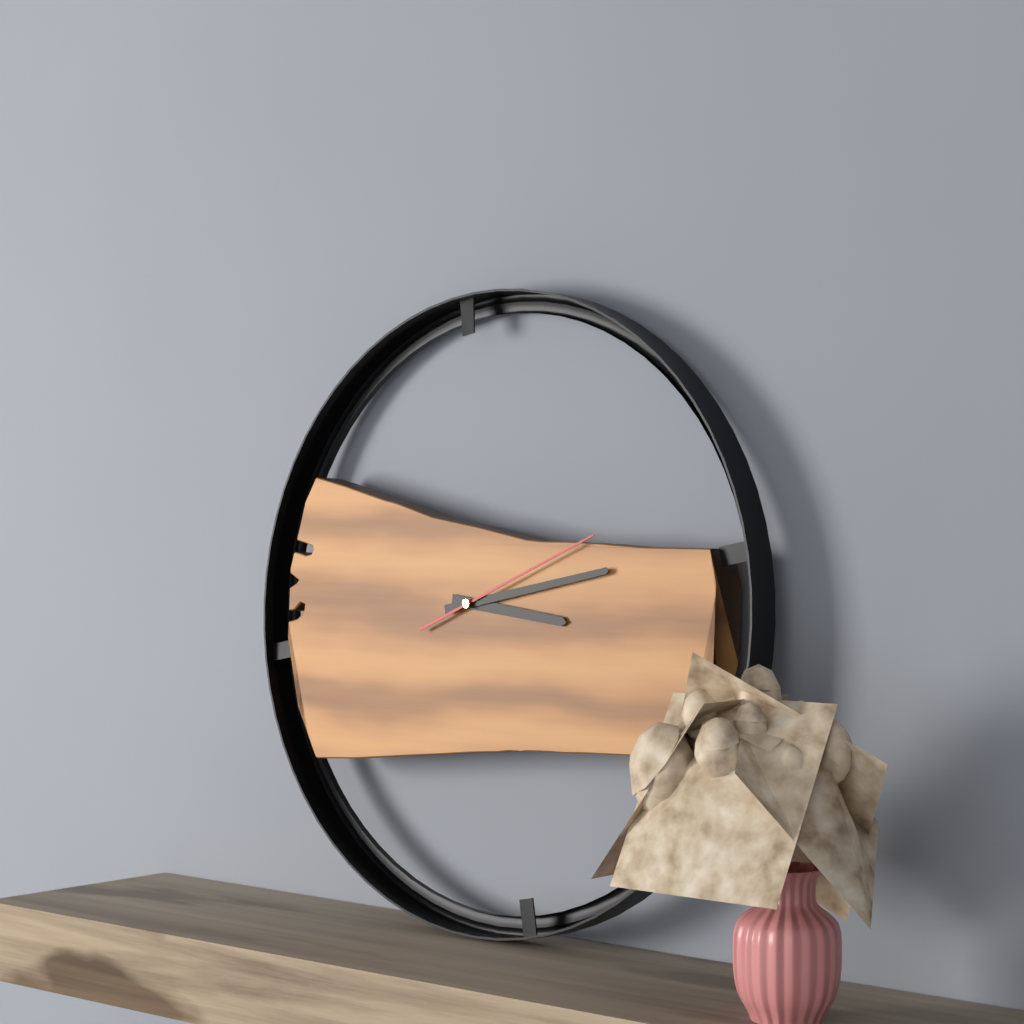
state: 3:13:11
